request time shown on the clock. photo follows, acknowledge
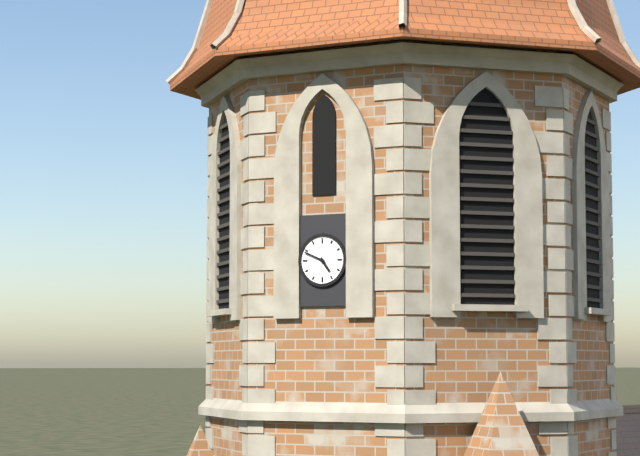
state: 4:49
